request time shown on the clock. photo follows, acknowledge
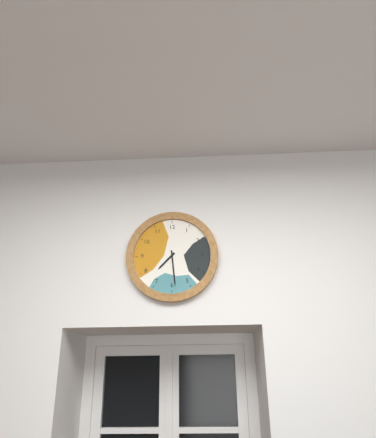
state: 7:29
